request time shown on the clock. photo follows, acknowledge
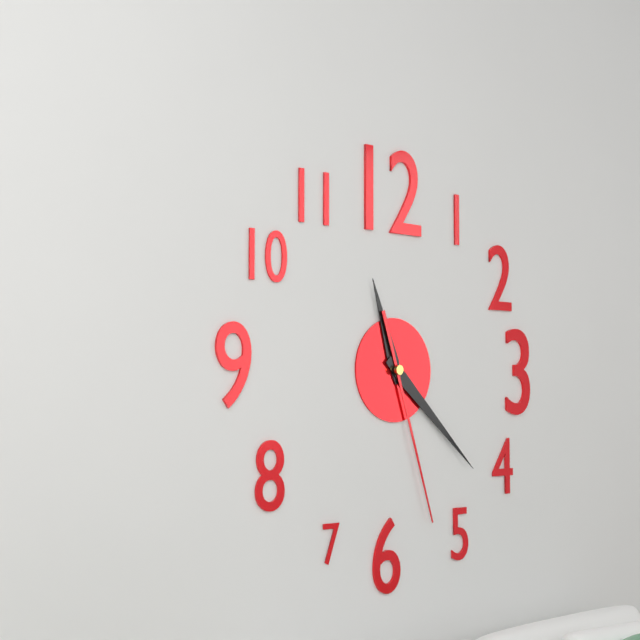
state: 11:22:27
